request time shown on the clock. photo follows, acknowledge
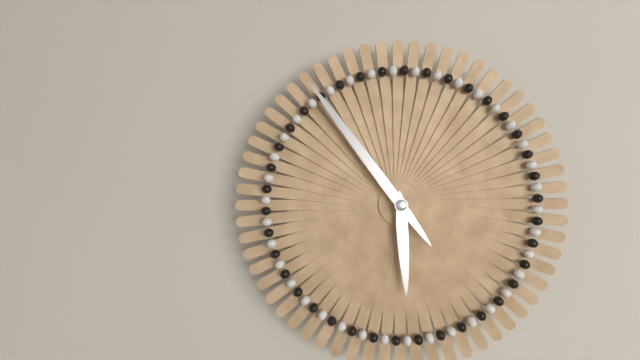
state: 5:54
